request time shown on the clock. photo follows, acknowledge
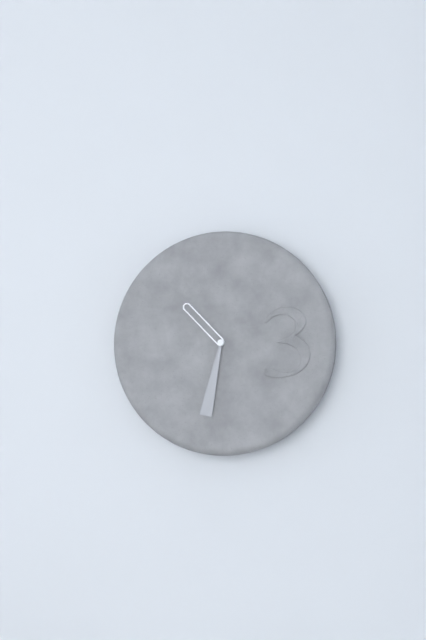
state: 10:32
